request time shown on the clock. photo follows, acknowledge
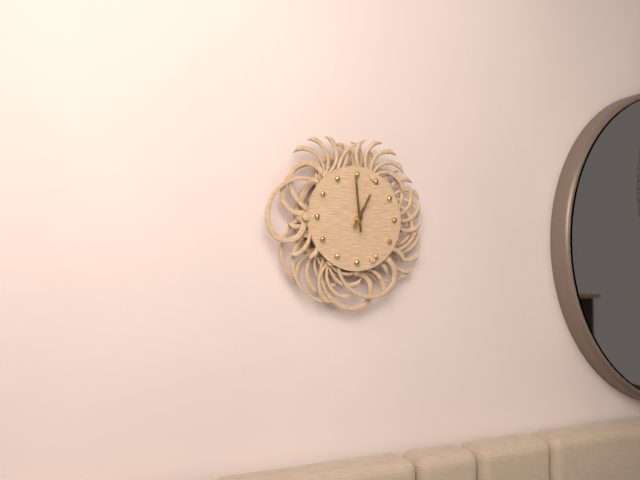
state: 12:59
